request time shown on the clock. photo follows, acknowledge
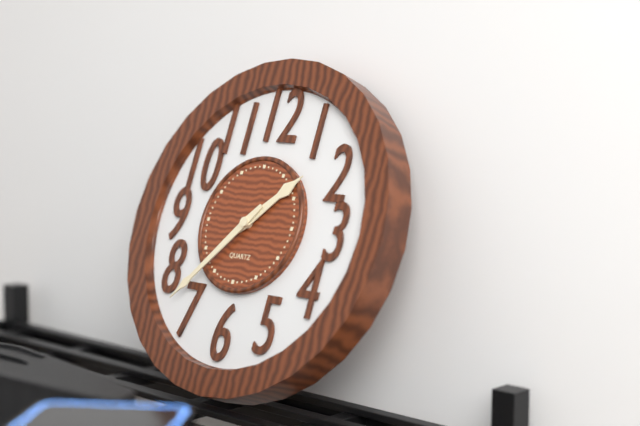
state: 1:37
